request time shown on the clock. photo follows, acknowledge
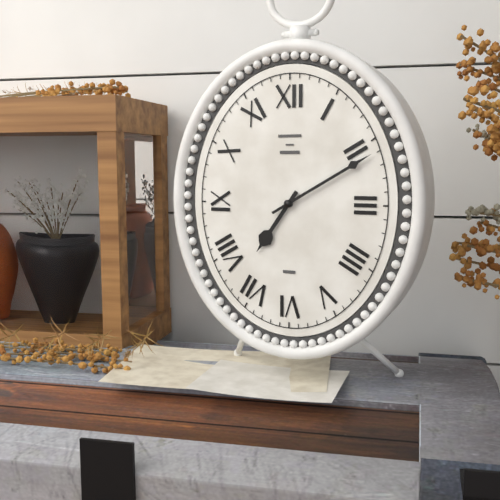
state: 7:10
